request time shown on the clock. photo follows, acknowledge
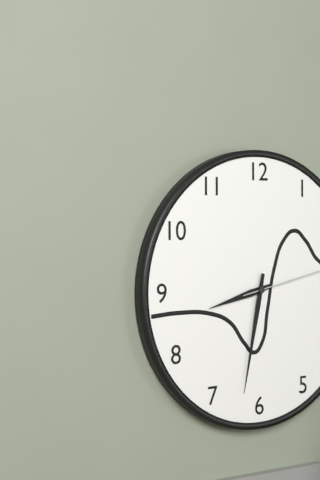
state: 8:32
